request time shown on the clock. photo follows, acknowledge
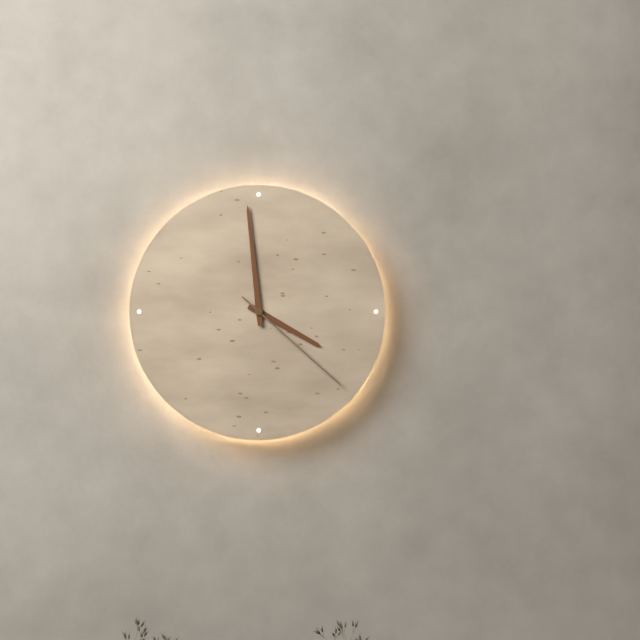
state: 3:59:22
